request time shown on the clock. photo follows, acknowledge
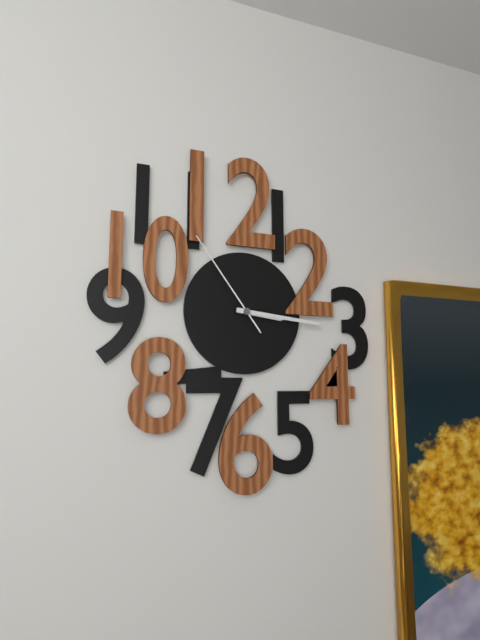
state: 3:16:54
